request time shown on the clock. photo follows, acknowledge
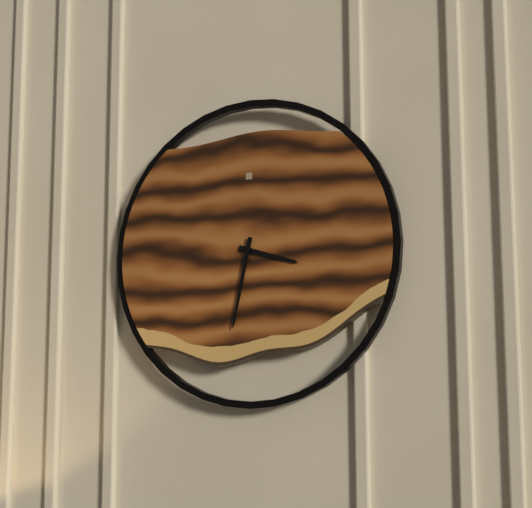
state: 3:32
